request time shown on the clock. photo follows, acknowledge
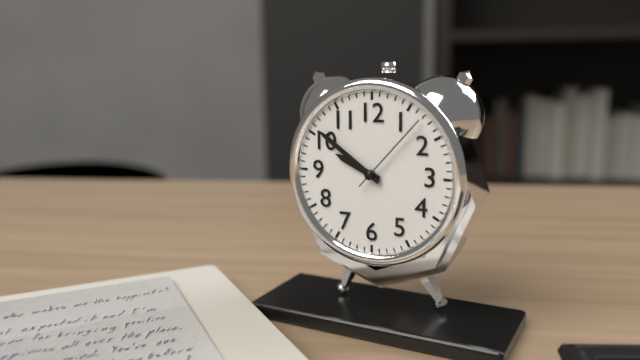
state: 9:51:07
